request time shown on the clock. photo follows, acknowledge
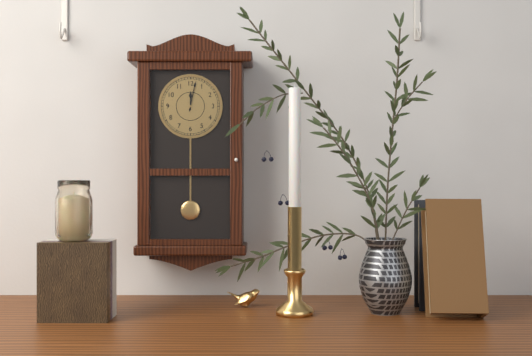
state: 12:02
